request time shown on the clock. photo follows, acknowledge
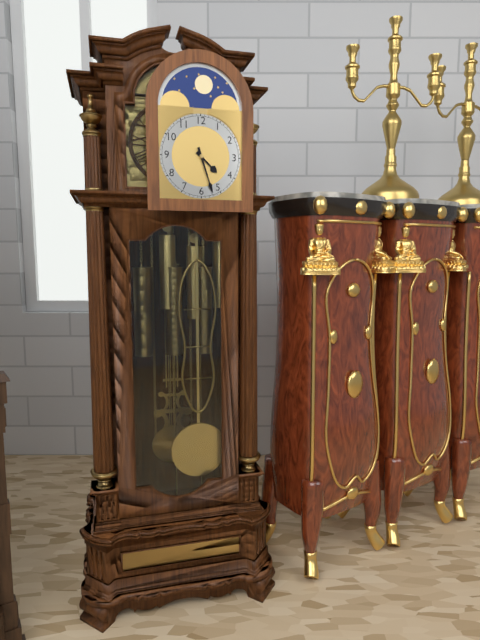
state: 4:27
